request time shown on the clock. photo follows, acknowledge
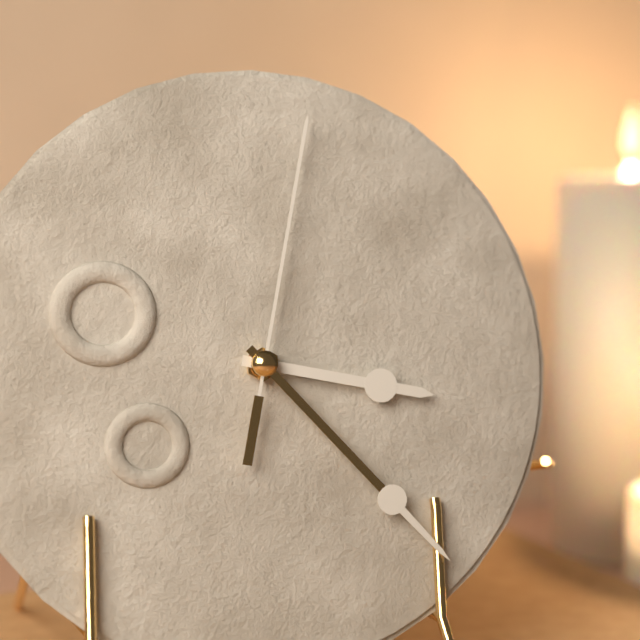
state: 3:23:02
